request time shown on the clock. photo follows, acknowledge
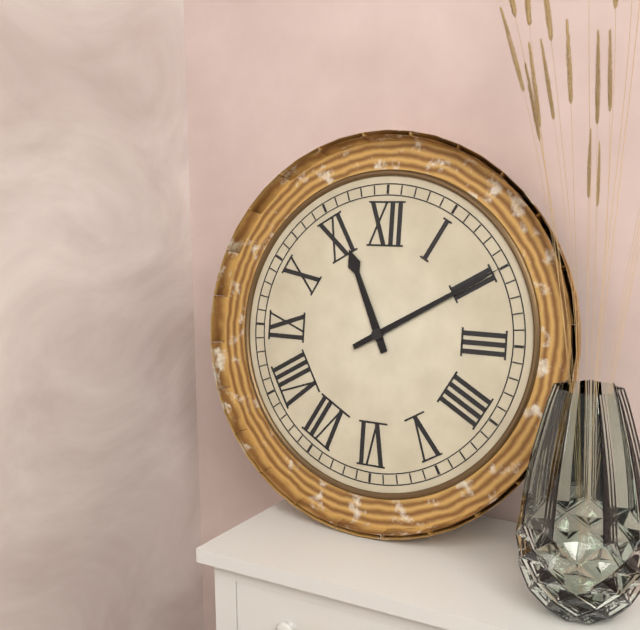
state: 11:10
